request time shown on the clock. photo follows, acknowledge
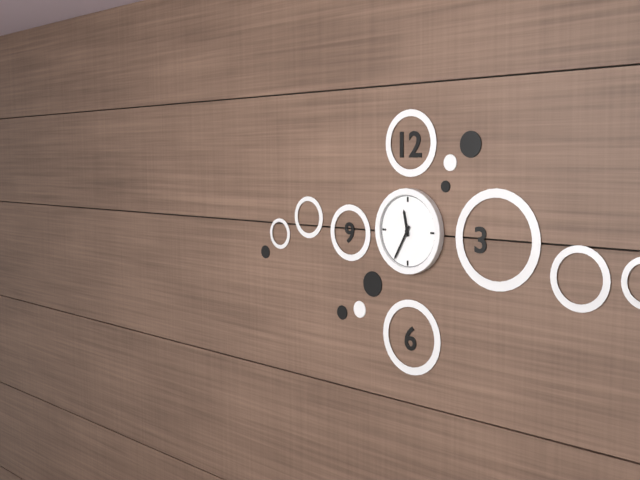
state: 11:35
